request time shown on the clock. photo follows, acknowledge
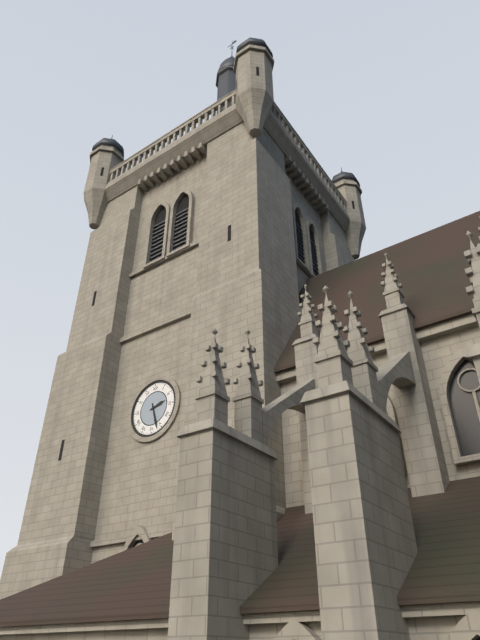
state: 2:27
